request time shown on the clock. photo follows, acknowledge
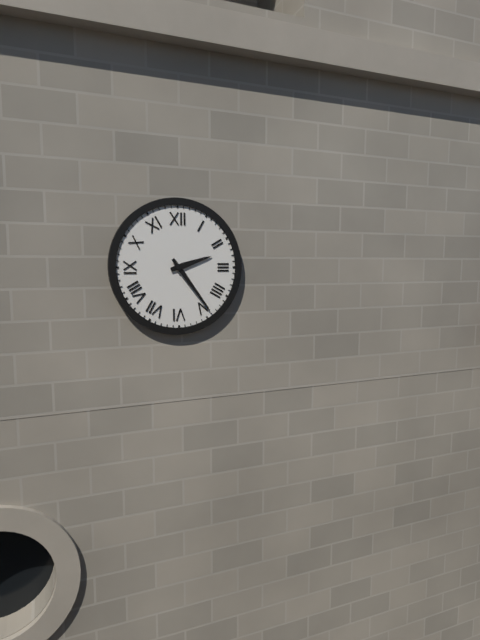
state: 2:24
